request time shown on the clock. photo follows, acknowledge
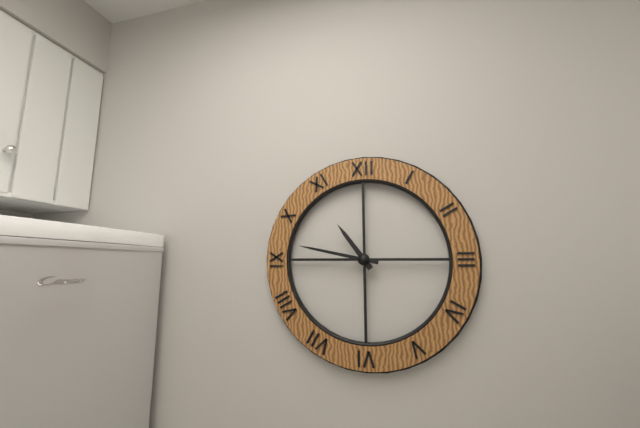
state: 10:47
